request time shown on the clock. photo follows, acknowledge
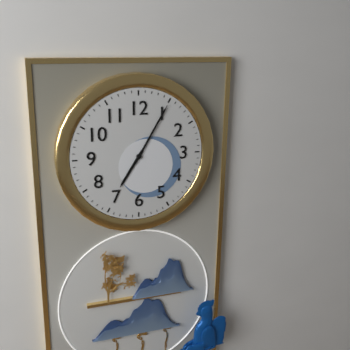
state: 7:05
